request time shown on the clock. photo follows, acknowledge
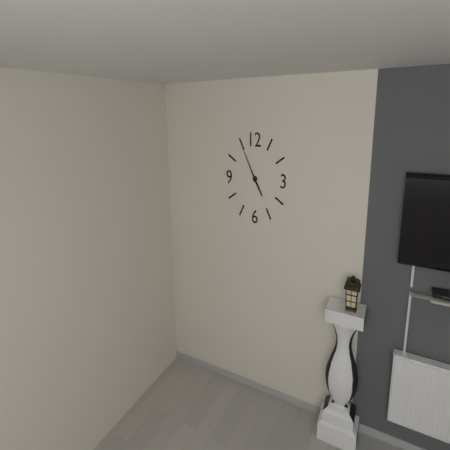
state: 4:55
